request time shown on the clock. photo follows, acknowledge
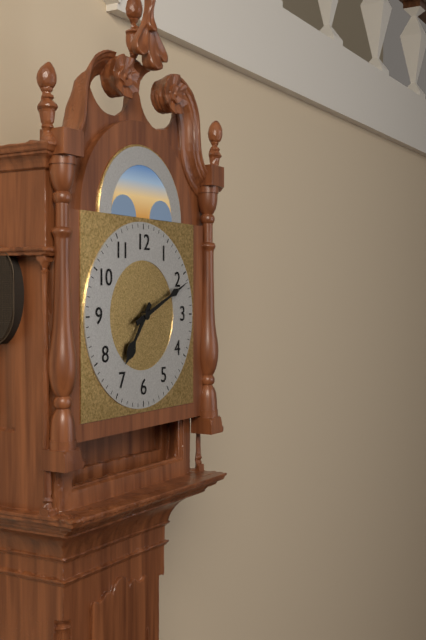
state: 7:11
